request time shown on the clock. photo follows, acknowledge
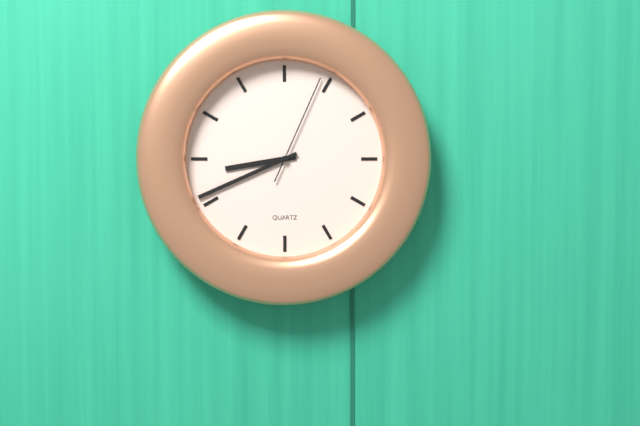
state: 8:41:04
